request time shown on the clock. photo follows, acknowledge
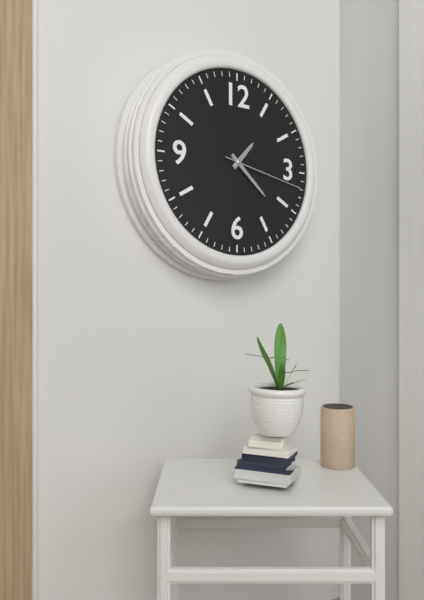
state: 1:22:17
